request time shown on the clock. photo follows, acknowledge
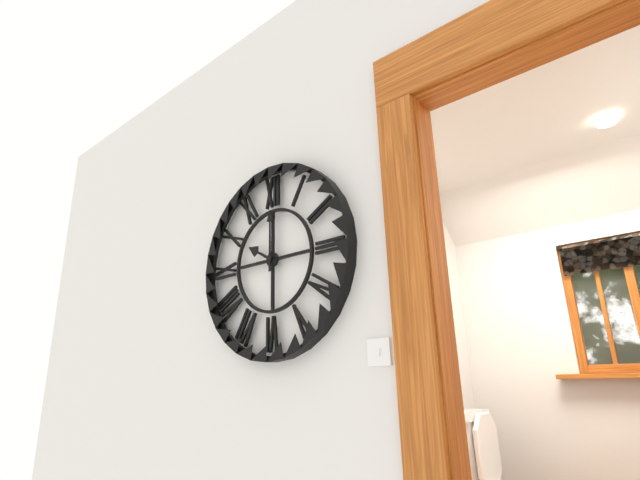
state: 10:00
